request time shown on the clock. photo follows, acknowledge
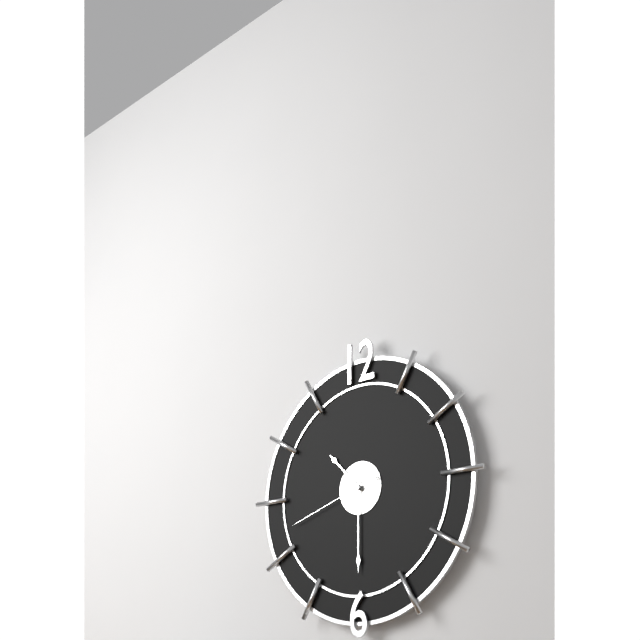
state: 10:30:42
